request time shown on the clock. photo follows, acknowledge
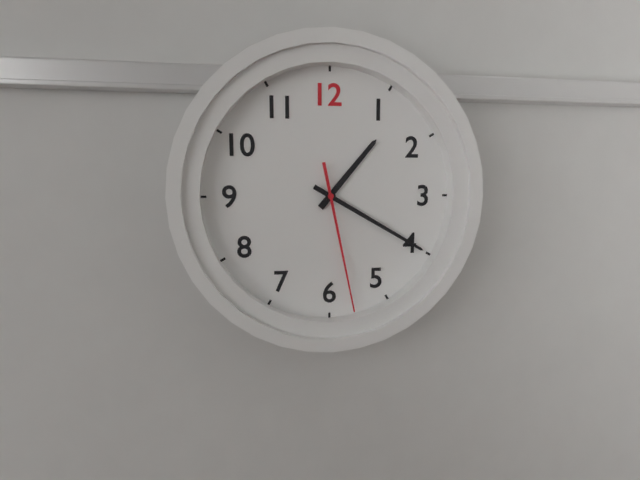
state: 1:20:28
